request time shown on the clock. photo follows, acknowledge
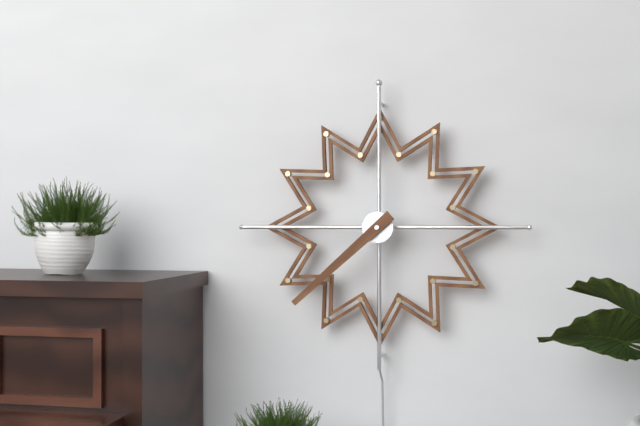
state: 7:38
